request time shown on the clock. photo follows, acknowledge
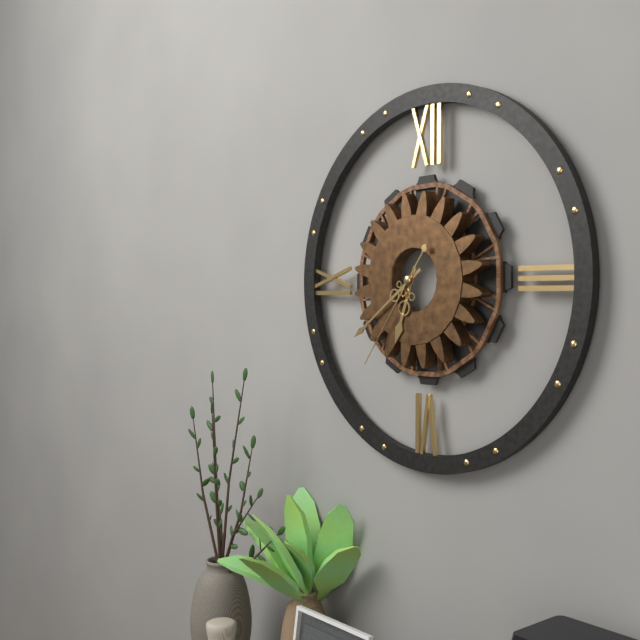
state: 6:39:36
